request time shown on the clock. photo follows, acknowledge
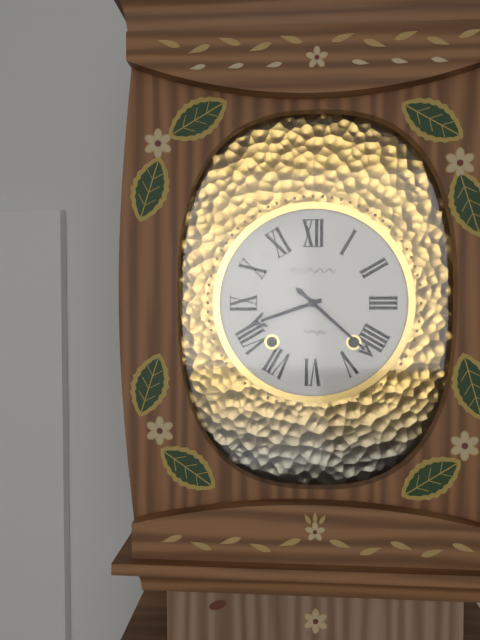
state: 8:22
